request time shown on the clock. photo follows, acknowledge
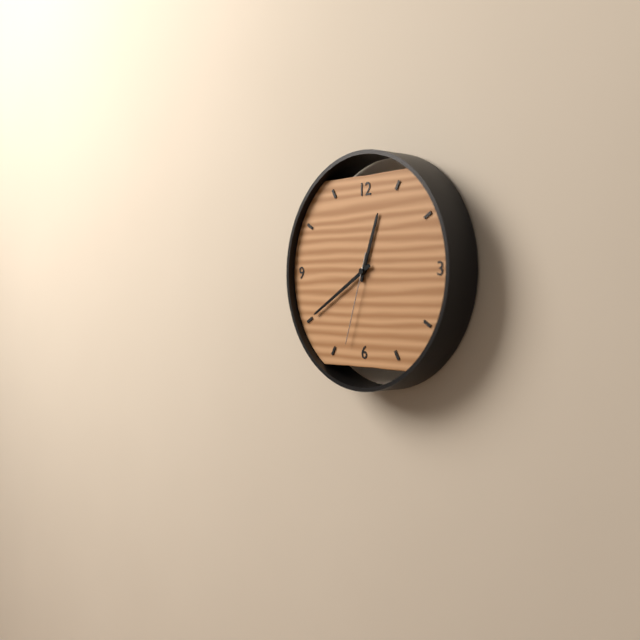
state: 12:40:33
